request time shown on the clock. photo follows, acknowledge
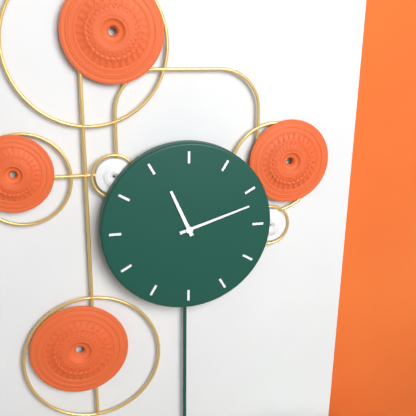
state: 11:12
